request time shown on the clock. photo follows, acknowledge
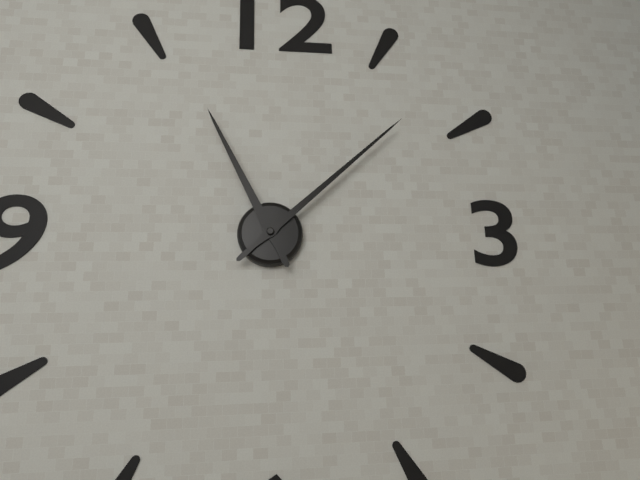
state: 11:08
